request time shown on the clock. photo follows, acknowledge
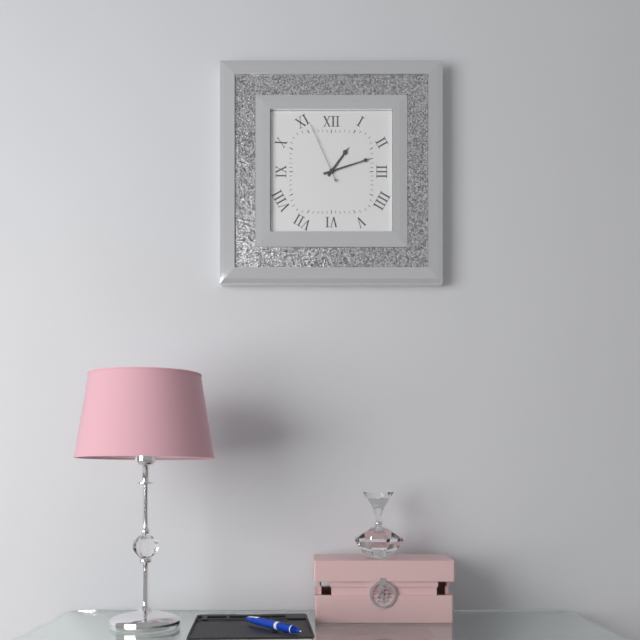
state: 1:12:56
